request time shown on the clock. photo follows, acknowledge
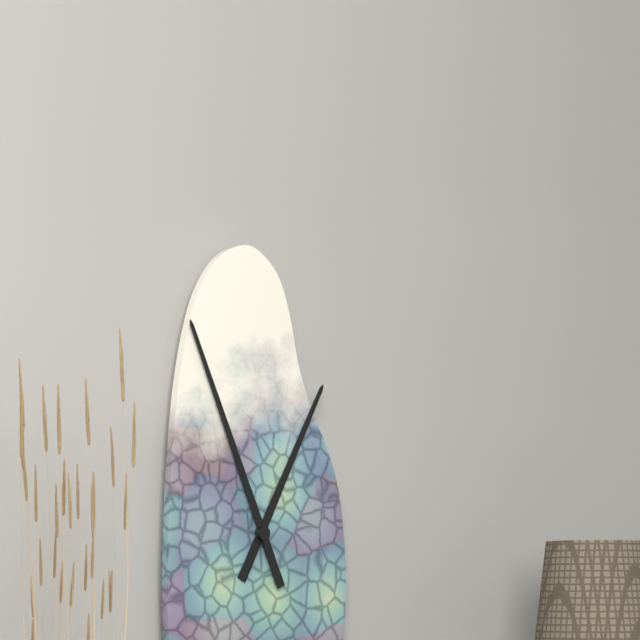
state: 12:56
